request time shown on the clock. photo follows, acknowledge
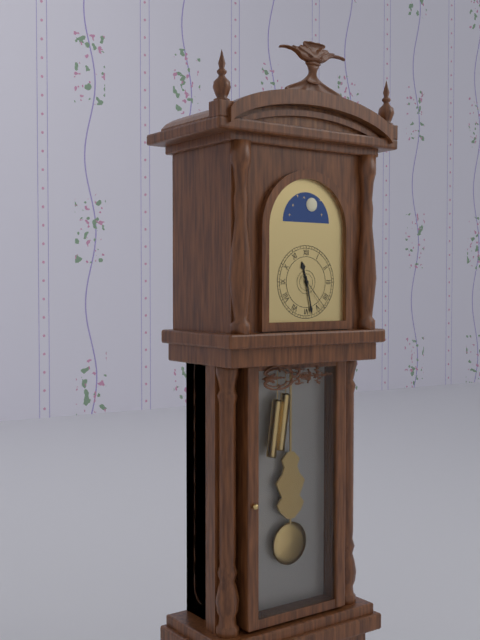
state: 11:28
